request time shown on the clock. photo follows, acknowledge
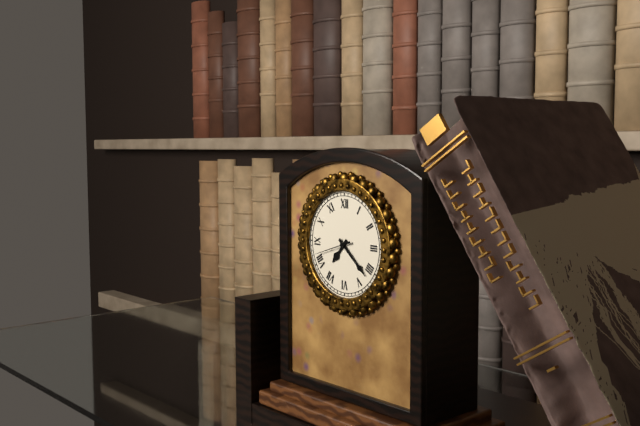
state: 7:22
